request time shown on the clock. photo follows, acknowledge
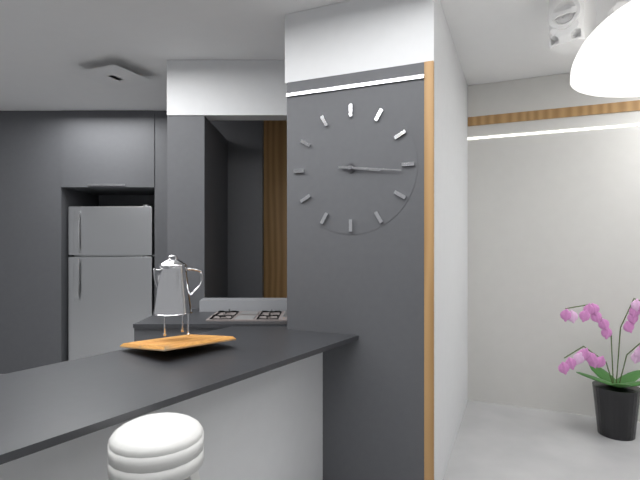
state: 3:16
